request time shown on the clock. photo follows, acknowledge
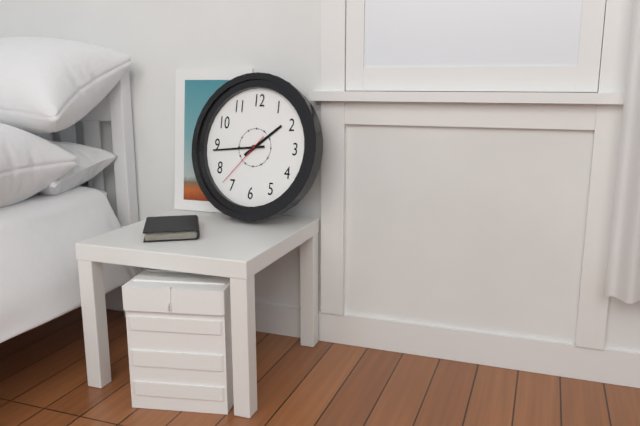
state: 1:44:37
